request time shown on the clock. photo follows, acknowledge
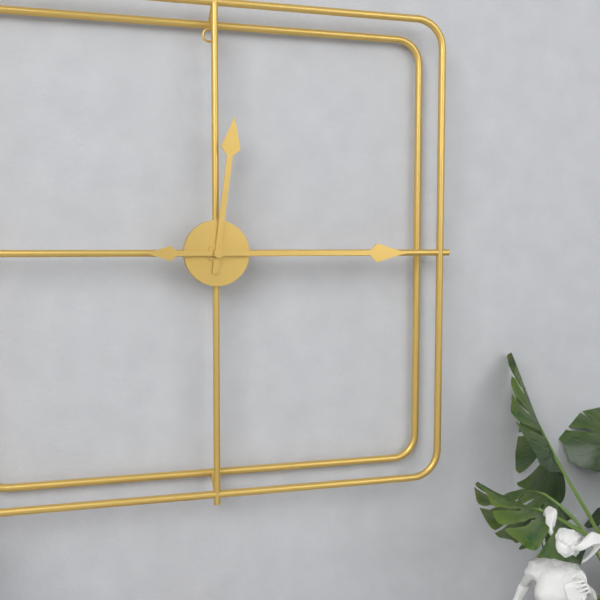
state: 12:15
